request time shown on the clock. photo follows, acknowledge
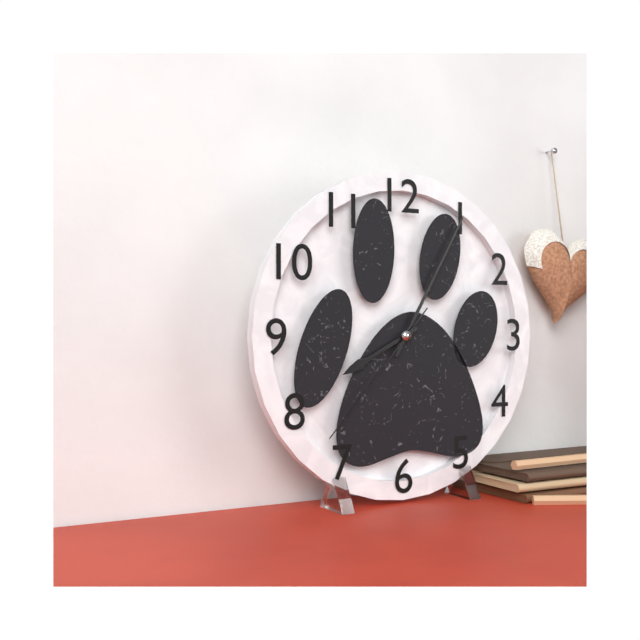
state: 8:05:37
